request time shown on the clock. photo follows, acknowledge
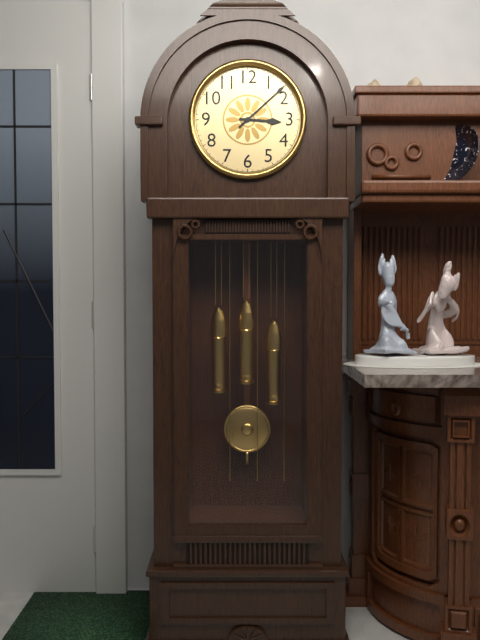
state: 3:08
